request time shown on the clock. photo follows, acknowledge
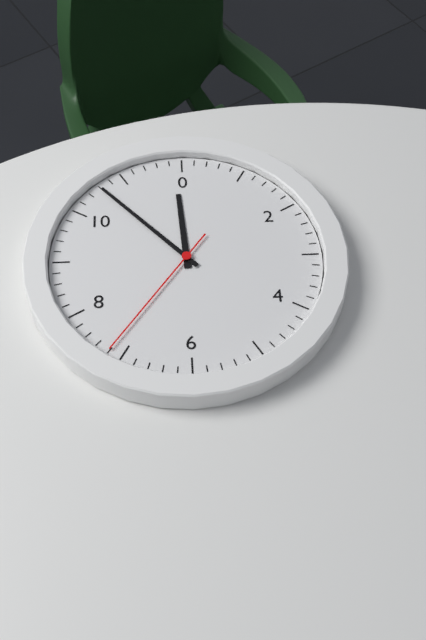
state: 11:53:36
